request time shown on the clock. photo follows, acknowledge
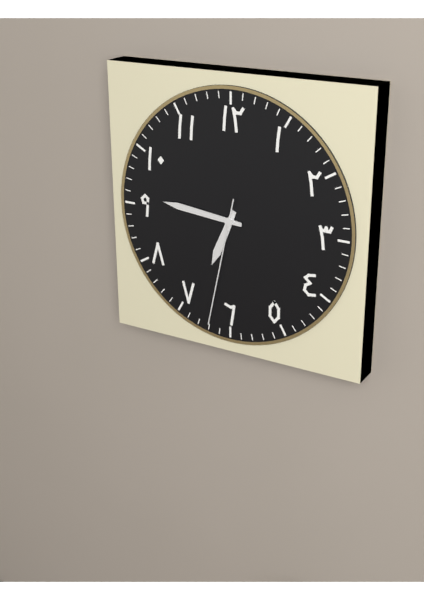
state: 6:46:32
